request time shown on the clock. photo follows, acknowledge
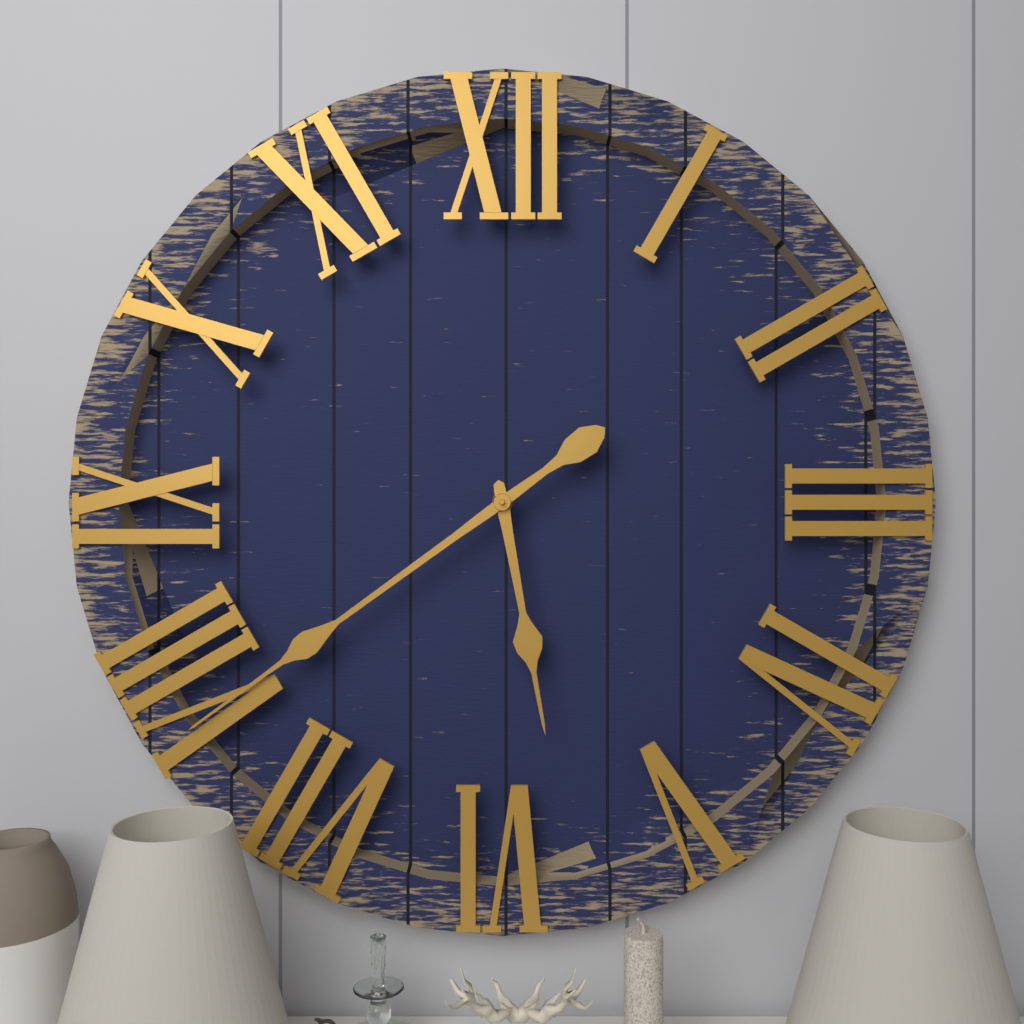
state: 5:39
